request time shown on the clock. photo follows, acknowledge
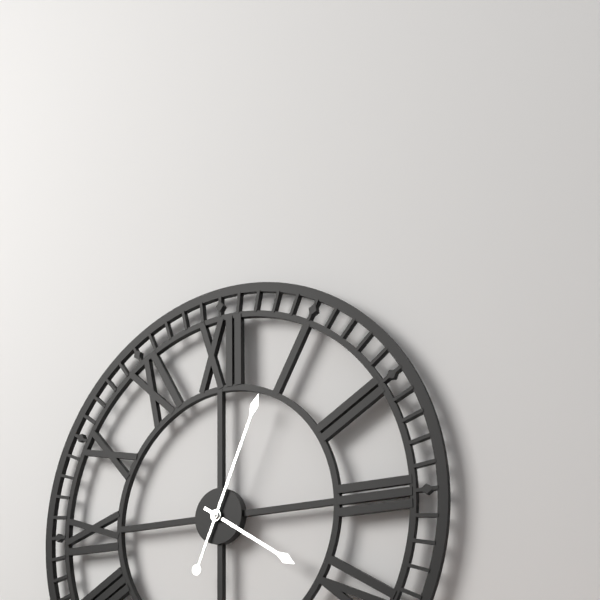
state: 4:04
